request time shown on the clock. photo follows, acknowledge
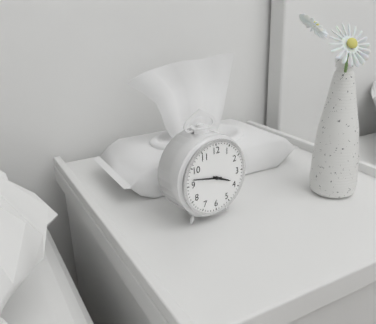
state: 3:47
